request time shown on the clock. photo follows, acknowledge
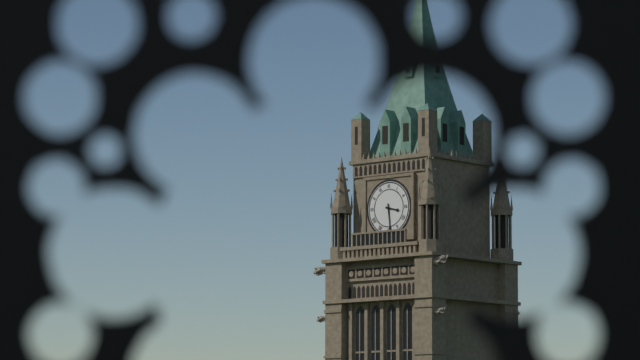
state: 3:29
